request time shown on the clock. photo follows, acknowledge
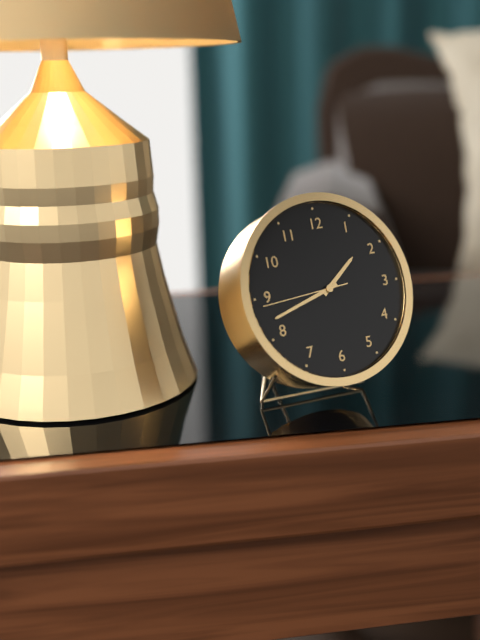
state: 1:42:44
